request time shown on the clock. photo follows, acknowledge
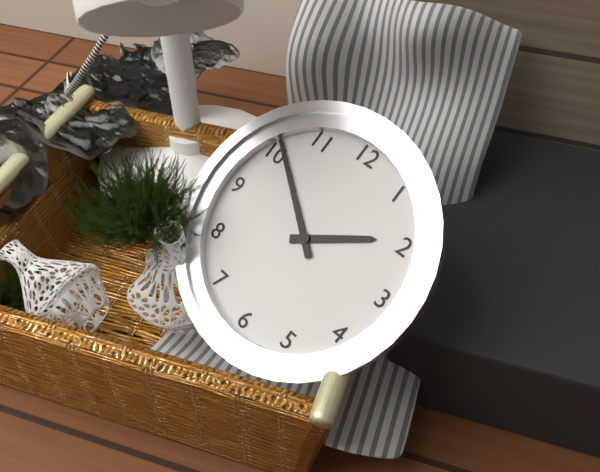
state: 1:51
